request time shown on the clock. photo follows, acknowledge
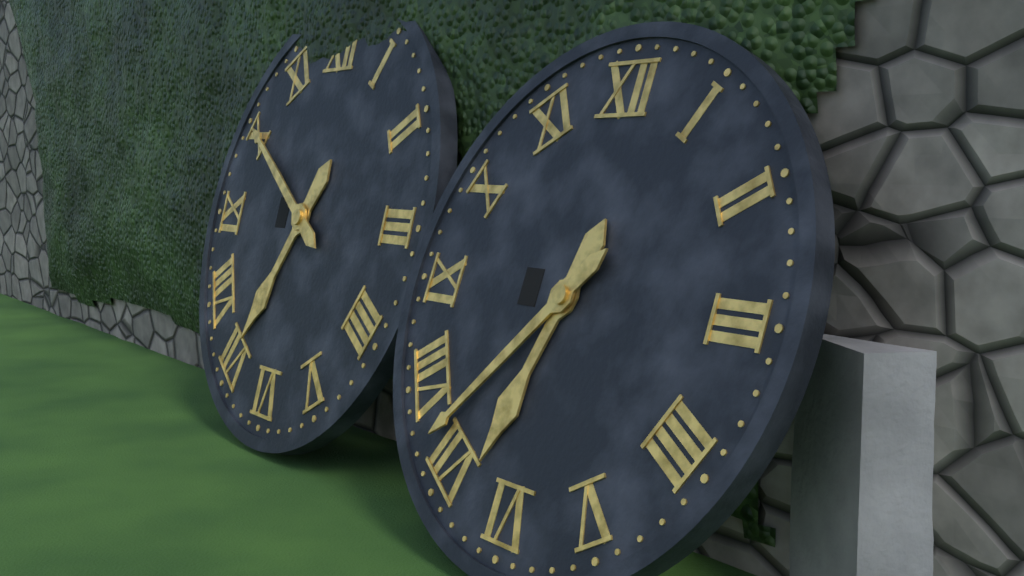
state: 6:37
